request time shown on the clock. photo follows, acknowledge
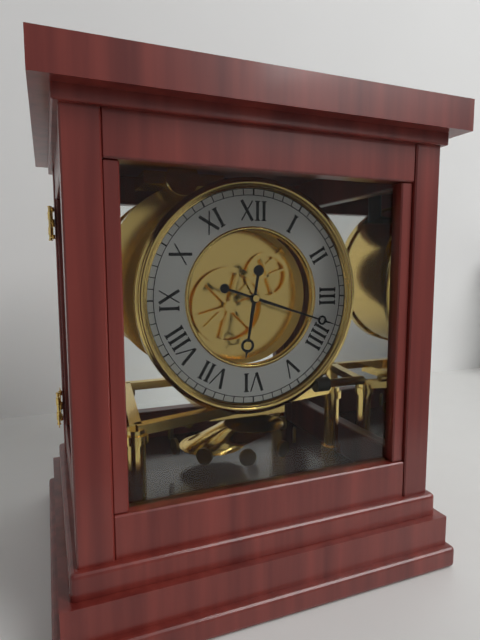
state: 6:18
